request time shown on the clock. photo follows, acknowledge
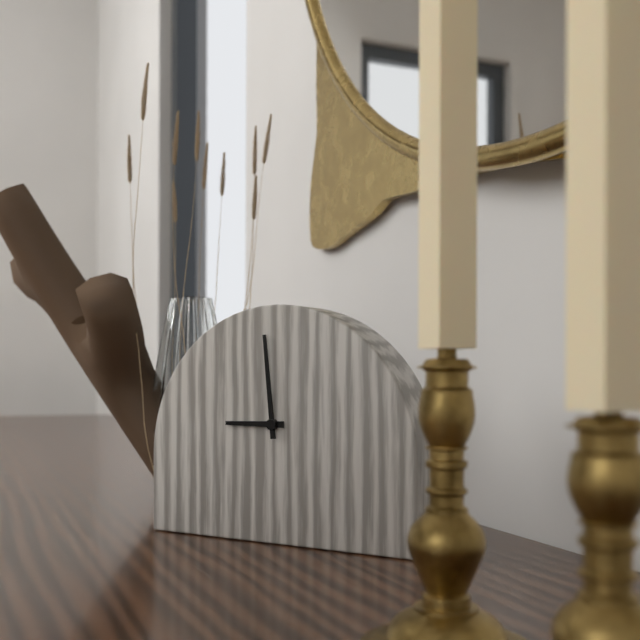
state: 8:59
